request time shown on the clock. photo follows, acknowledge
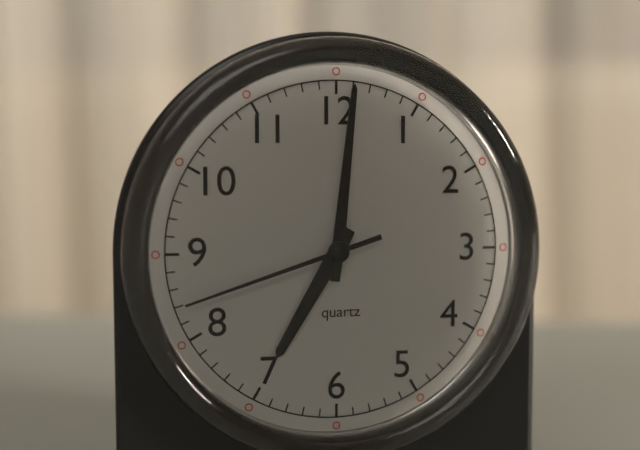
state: 7:01:42
